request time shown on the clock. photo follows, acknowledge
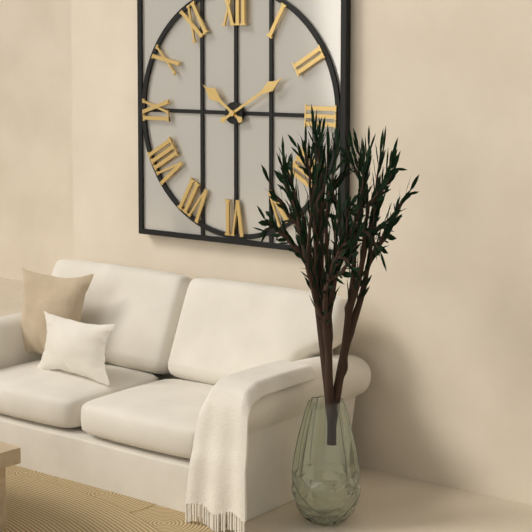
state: 10:10
